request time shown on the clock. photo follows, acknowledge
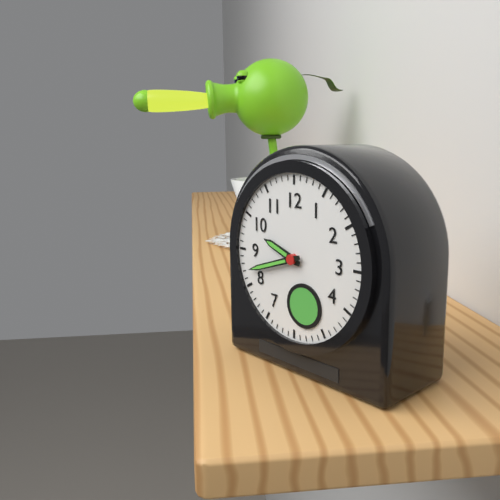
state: 9:42
